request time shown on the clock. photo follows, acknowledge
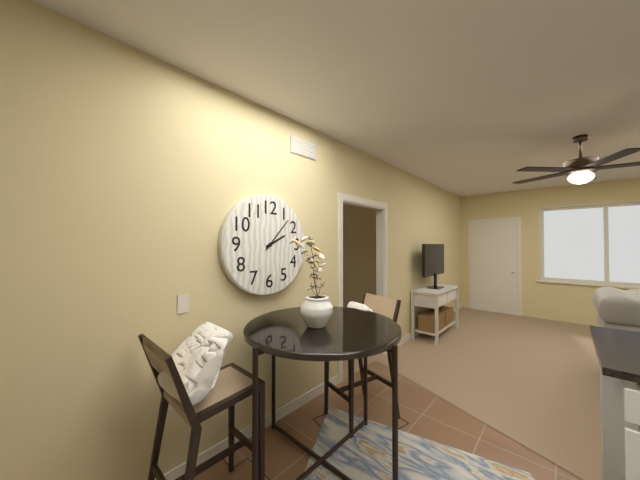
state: 2:07
